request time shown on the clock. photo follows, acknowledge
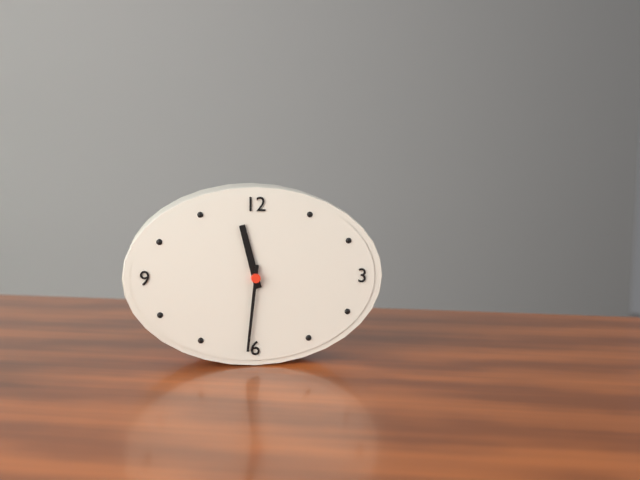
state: 11:31
